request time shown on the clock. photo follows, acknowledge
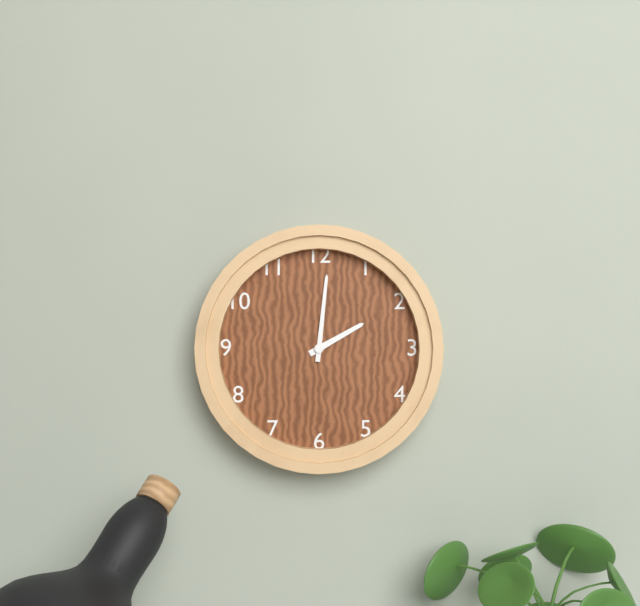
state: 2:01
